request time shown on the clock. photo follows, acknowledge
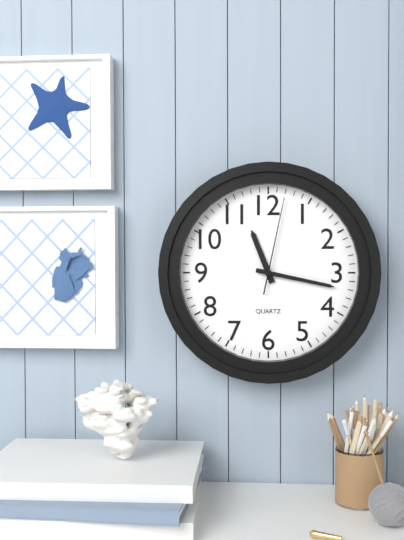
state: 11:17:02
